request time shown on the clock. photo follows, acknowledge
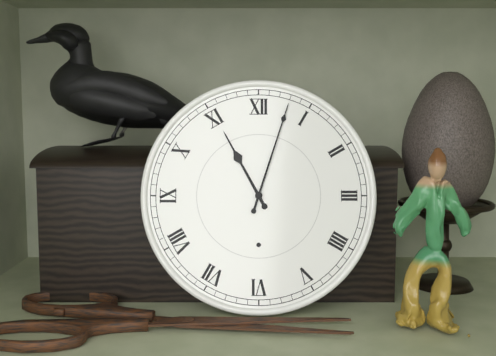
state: 11:03
